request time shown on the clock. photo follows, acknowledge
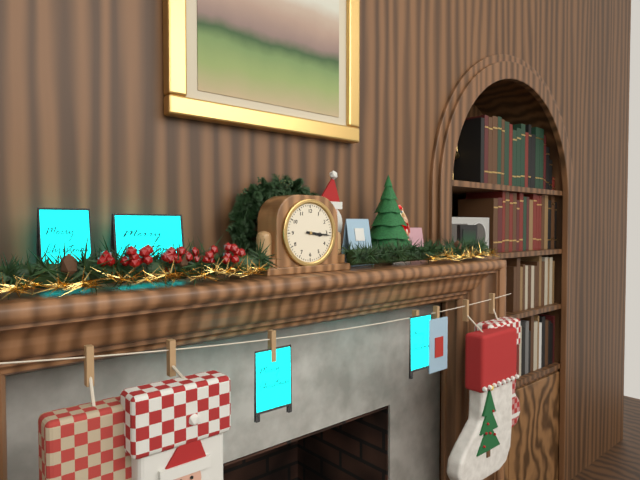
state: 3:16
